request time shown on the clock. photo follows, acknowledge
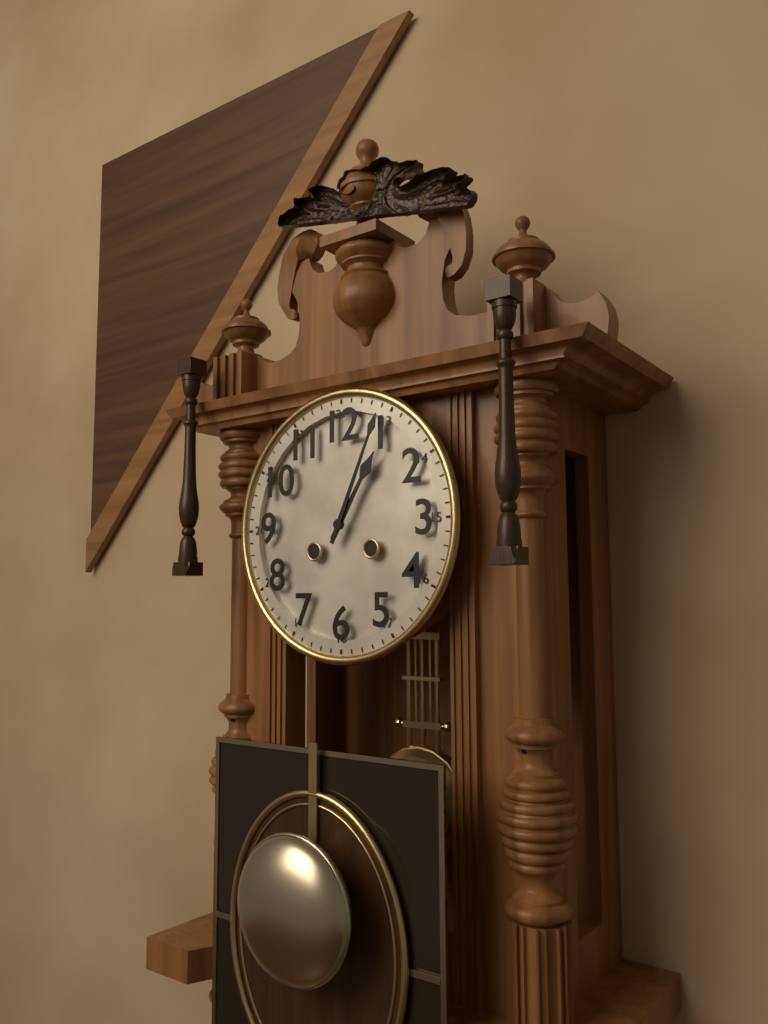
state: 1:04
